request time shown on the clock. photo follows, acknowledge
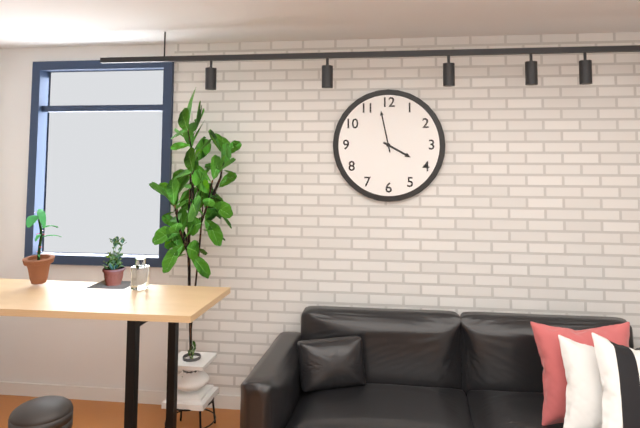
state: 3:58
